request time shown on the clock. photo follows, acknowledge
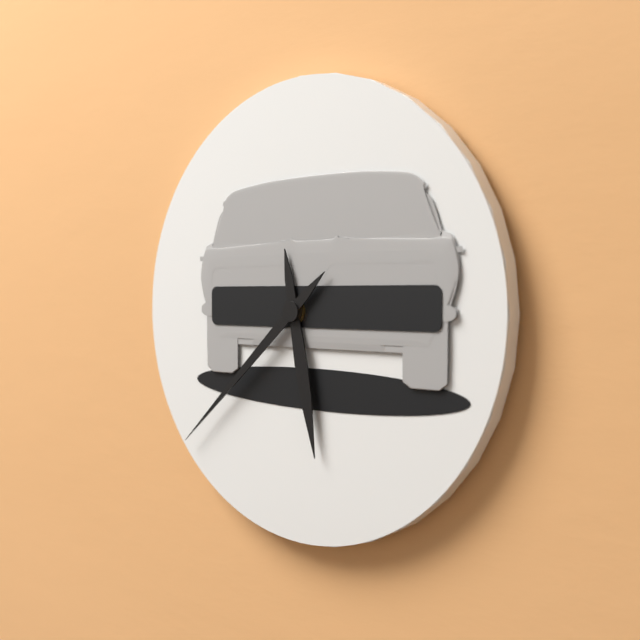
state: 5:38
